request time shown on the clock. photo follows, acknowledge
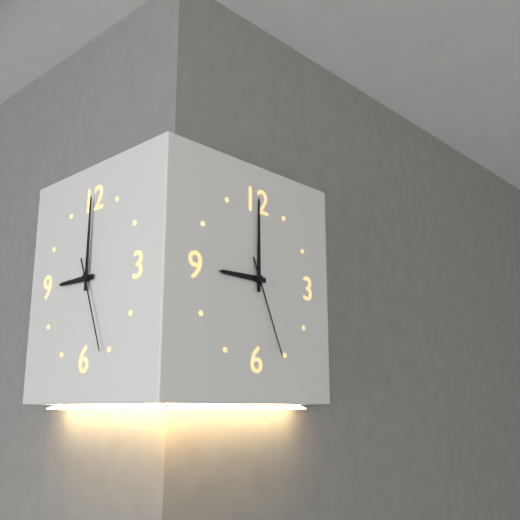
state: 9:00:26
